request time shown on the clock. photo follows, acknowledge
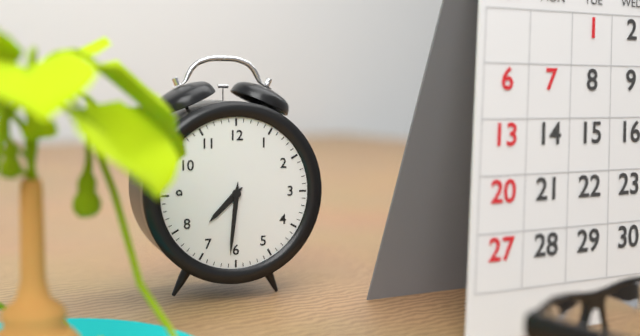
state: 7:31
